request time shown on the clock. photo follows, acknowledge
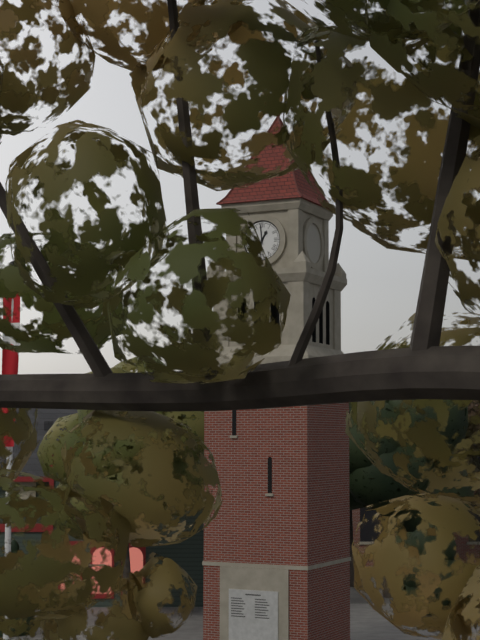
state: 12:59
